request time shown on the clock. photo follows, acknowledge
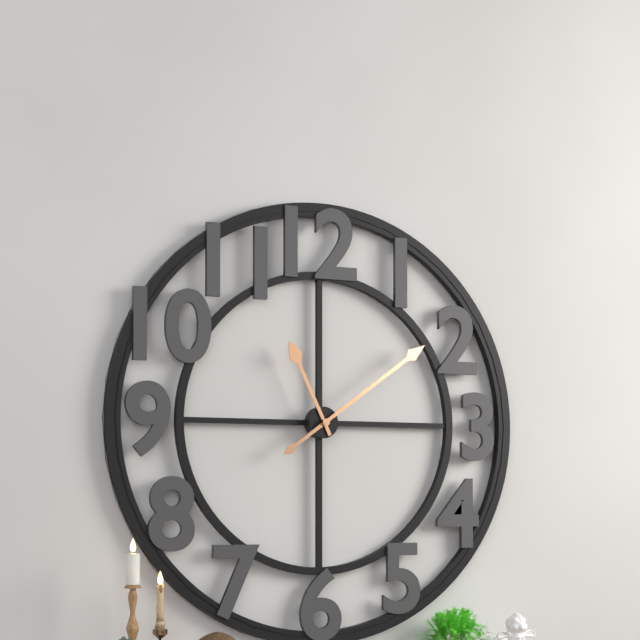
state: 11:09
